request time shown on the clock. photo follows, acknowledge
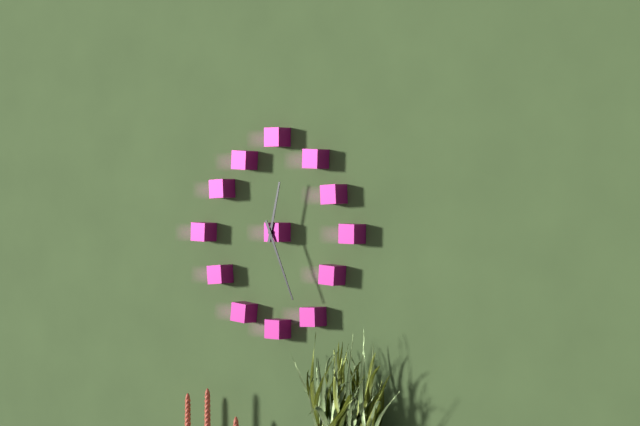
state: 12:26
